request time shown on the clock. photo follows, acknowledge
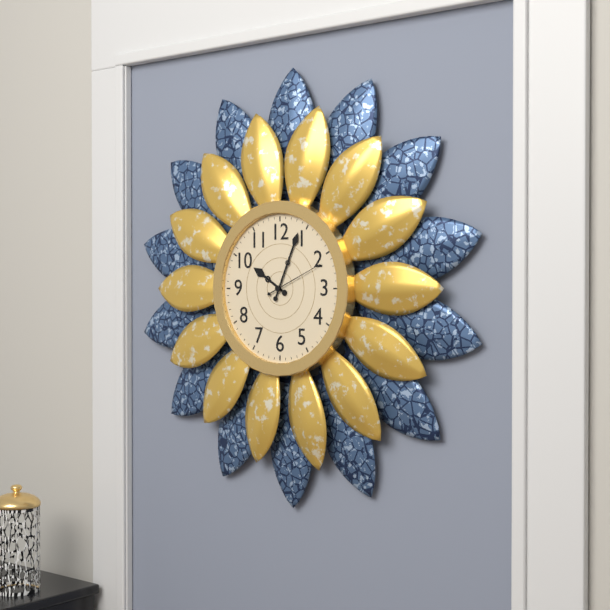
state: 10:04:11
